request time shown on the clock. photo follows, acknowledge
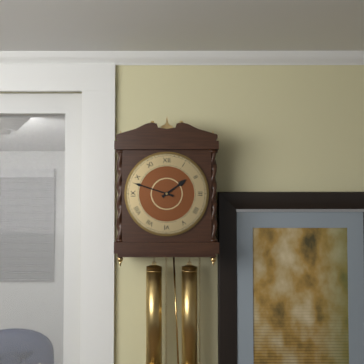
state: 1:48
